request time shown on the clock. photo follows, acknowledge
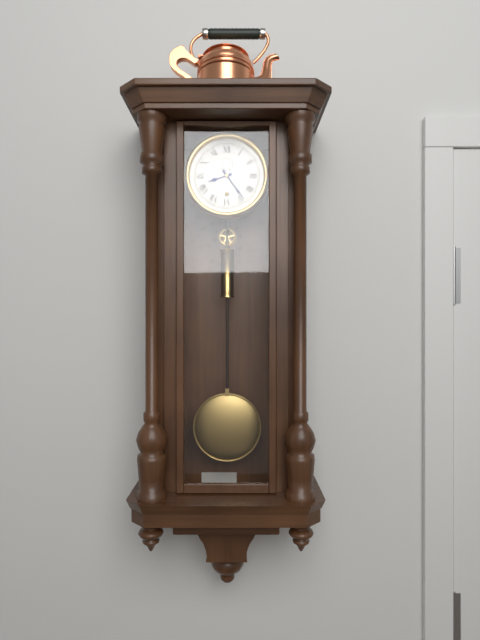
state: 8:24
